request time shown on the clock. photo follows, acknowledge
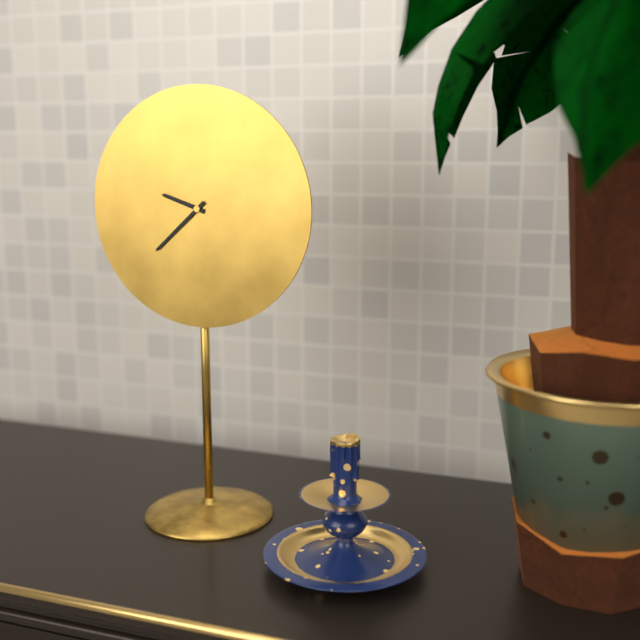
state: 9:38
